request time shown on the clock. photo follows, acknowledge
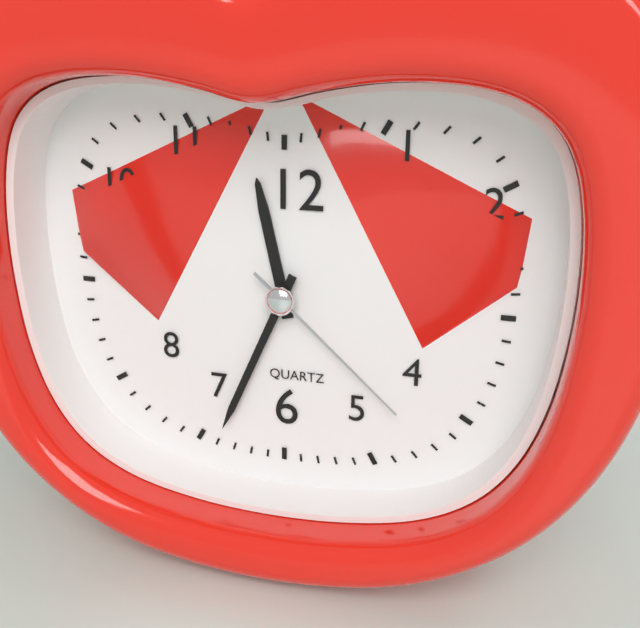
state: 11:34:22
